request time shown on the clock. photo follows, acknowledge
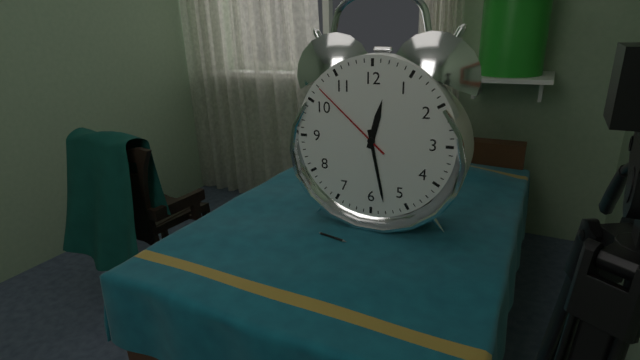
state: 12:28:52
